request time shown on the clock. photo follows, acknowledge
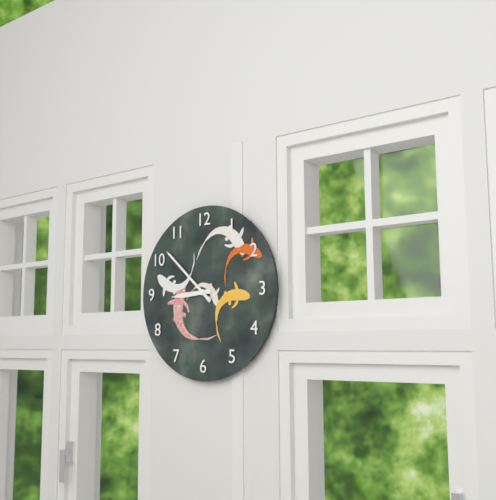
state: 8:52
